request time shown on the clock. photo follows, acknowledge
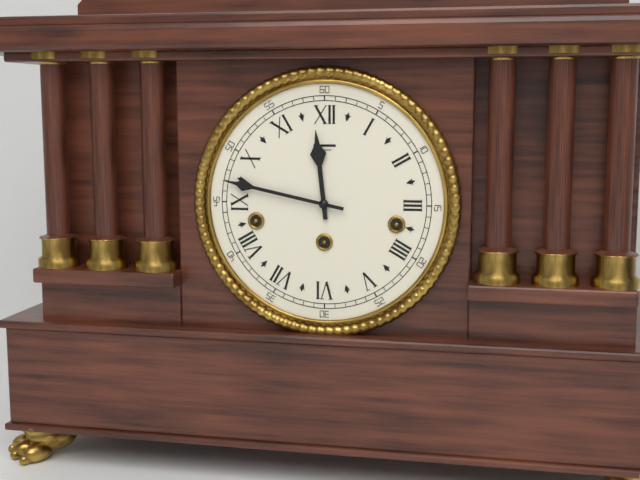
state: 11:47
